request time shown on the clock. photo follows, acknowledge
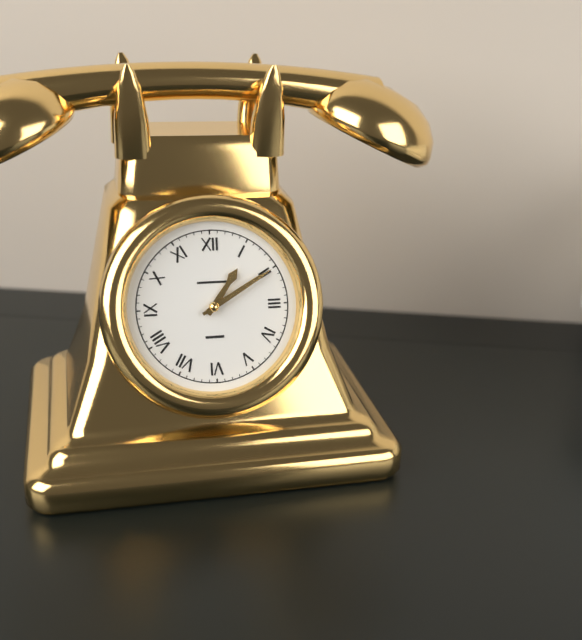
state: 1:10
